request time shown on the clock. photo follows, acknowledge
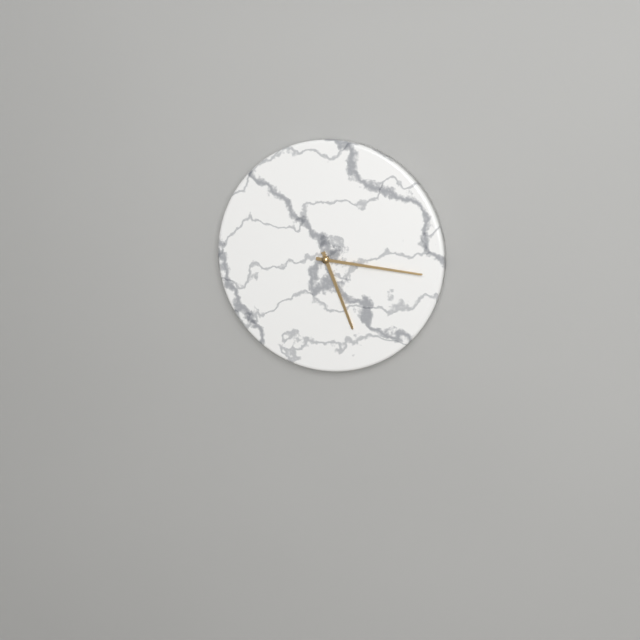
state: 5:16
